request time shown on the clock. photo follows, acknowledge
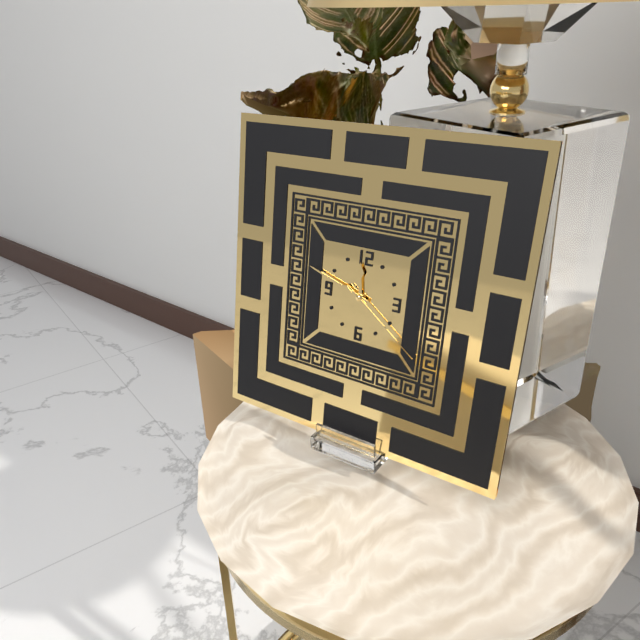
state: 11:48:21
